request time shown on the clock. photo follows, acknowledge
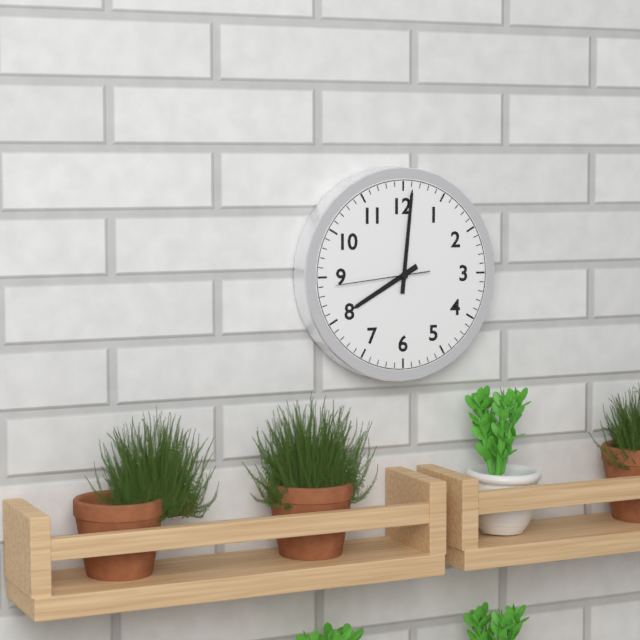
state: 8:01:44
